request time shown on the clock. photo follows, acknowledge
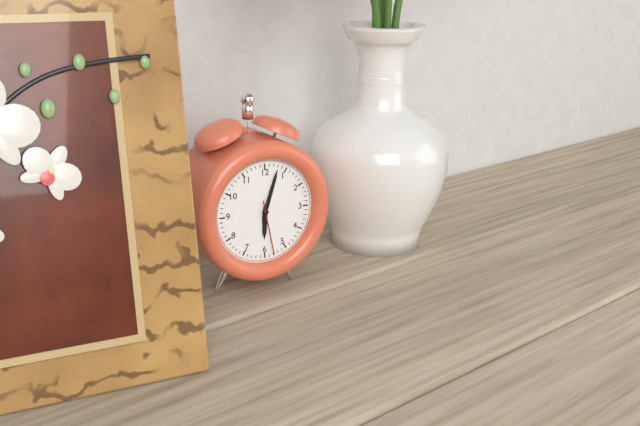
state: 6:03:28
